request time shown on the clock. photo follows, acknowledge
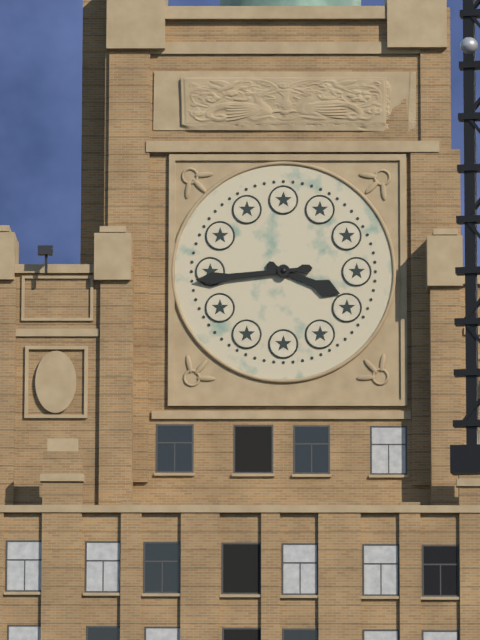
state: 3:44
